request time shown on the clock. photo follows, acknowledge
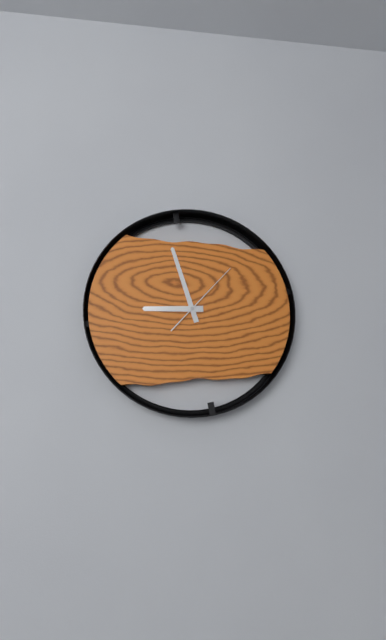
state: 8:57:07
